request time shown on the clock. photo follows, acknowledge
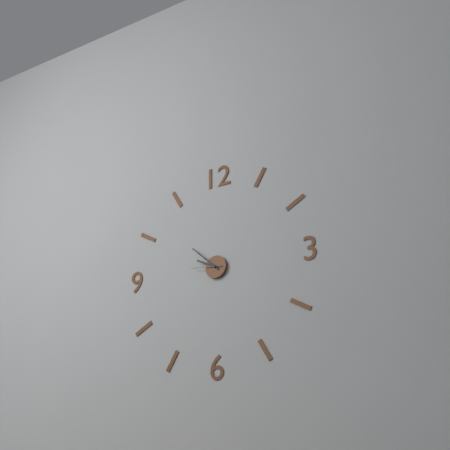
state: 9:52
